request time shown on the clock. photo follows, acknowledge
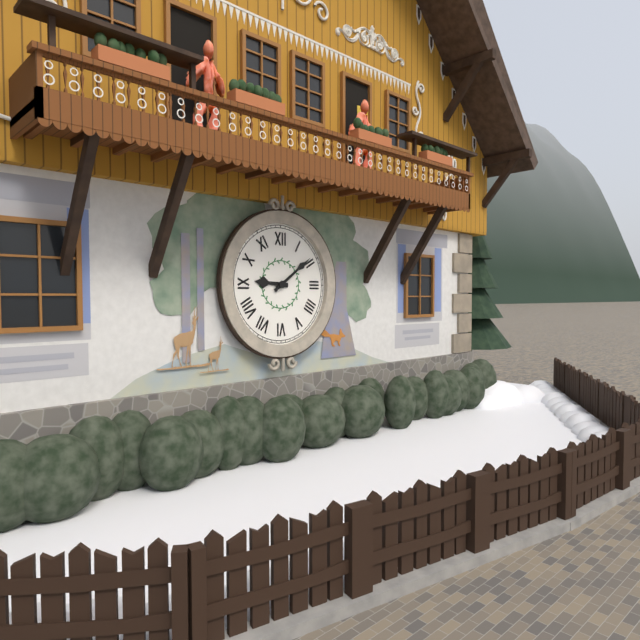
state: 9:09
